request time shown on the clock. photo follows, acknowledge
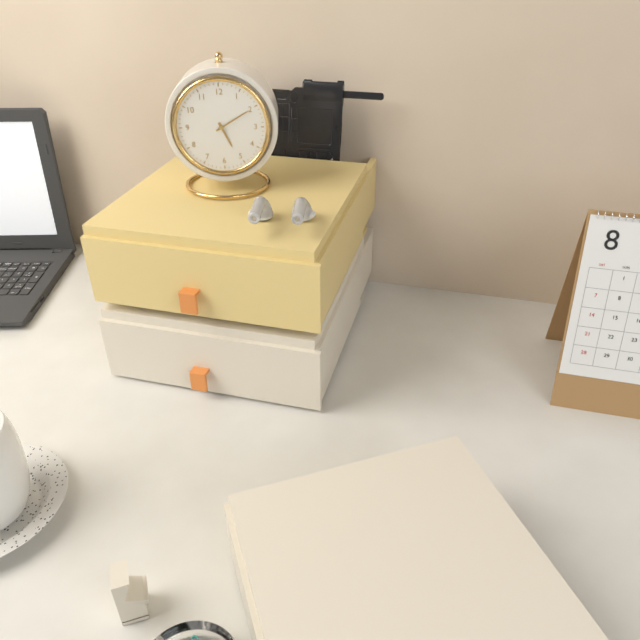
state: 5:10
